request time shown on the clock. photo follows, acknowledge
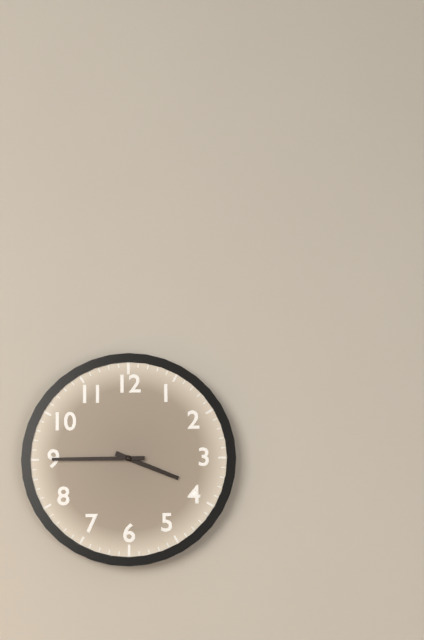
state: 3:45
